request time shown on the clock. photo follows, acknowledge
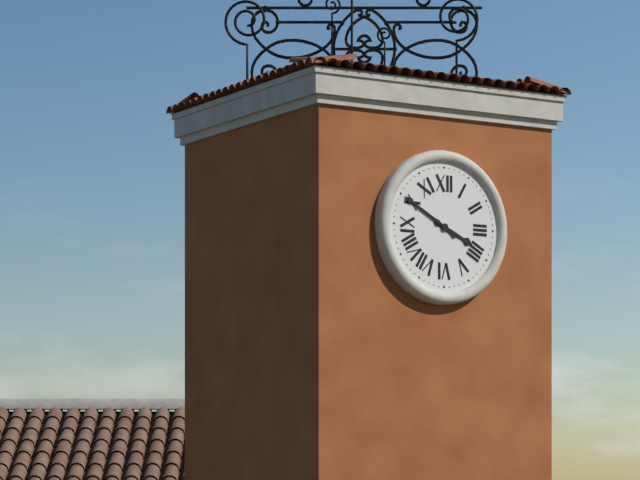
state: 3:50
